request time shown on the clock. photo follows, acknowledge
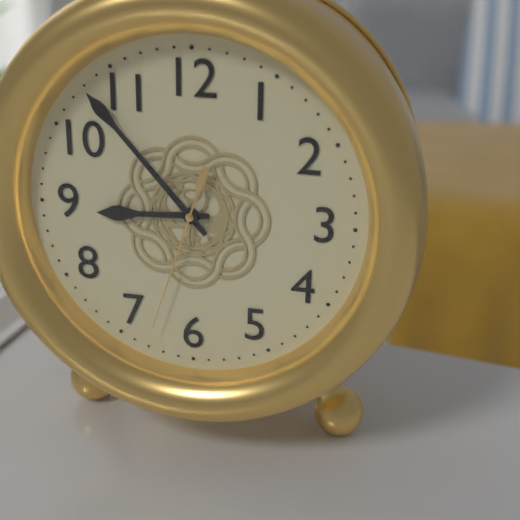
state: 8:53:33
